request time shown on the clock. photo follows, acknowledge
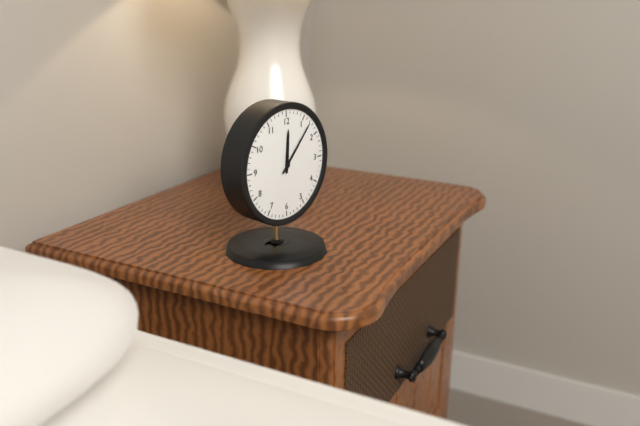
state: 12:07
